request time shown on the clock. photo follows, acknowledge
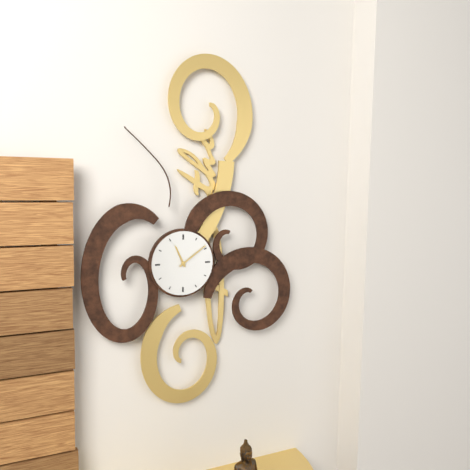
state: 11:09
